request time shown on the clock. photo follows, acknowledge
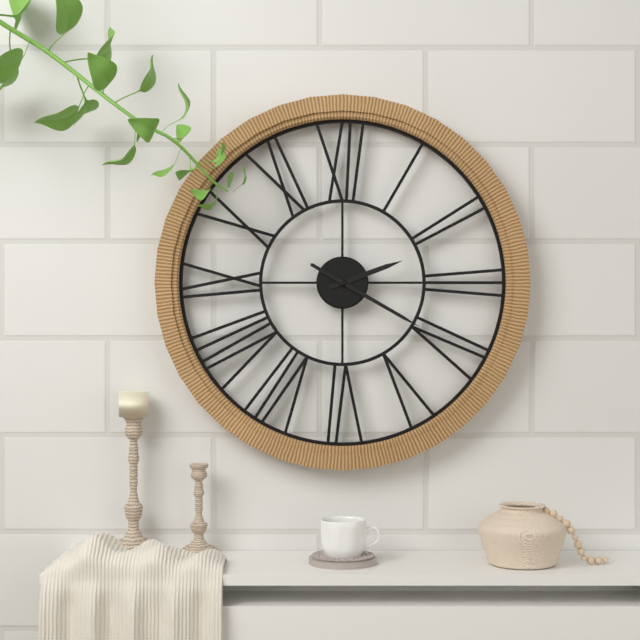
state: 2:20
